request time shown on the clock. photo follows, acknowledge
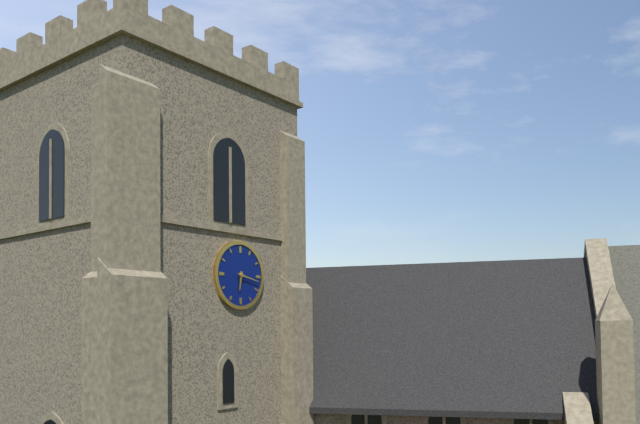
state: 6:17
